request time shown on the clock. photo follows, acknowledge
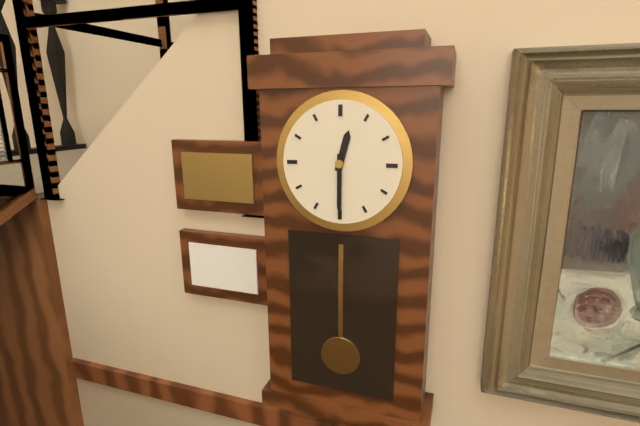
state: 12:30
